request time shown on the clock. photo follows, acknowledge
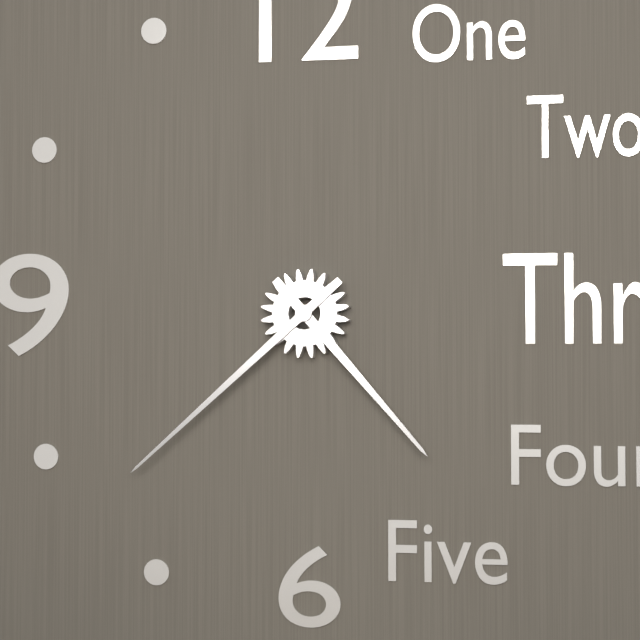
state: 4:38
